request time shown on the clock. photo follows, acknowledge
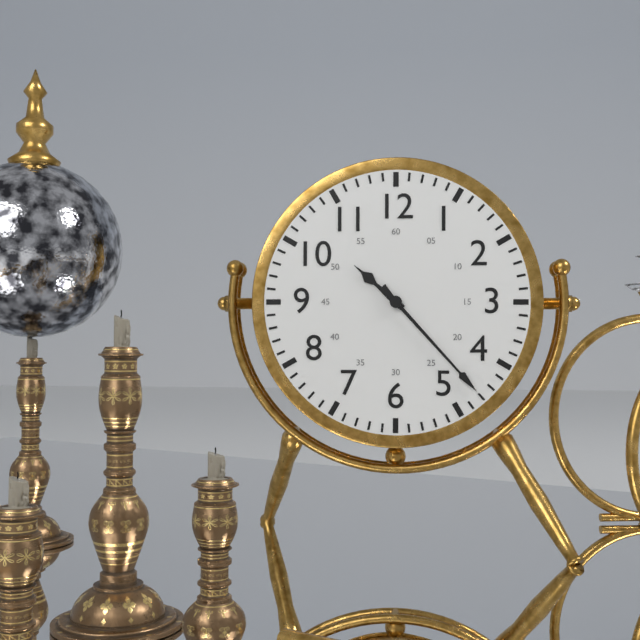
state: 10:23
